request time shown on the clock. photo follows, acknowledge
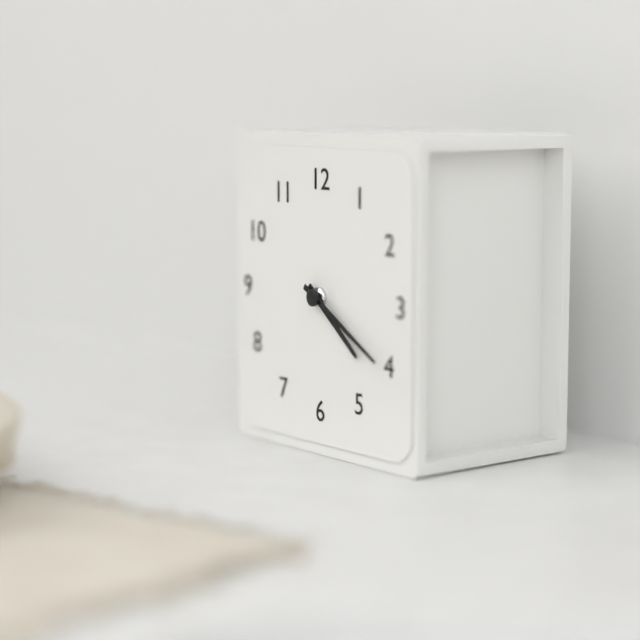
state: 4:20
